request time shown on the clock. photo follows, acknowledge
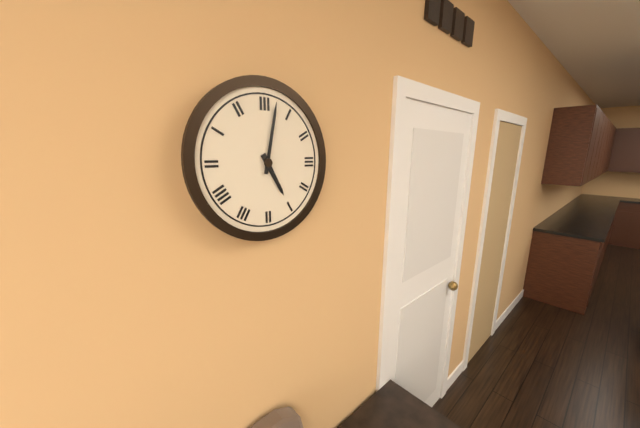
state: 5:02
